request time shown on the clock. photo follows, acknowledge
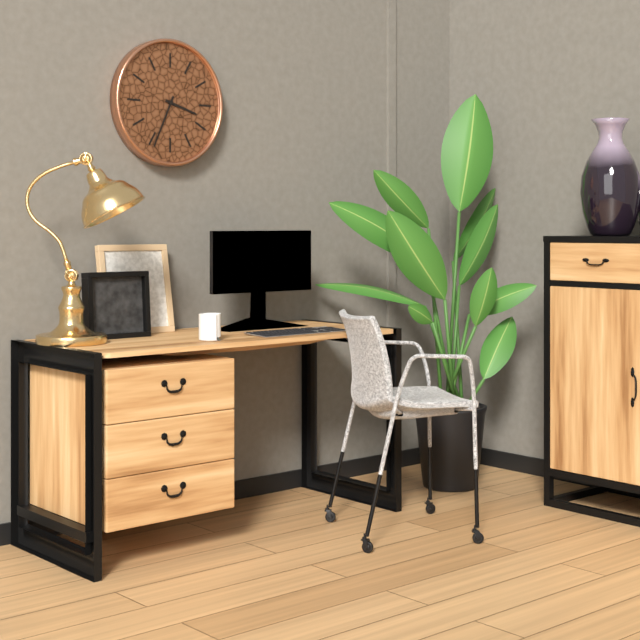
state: 3:34
